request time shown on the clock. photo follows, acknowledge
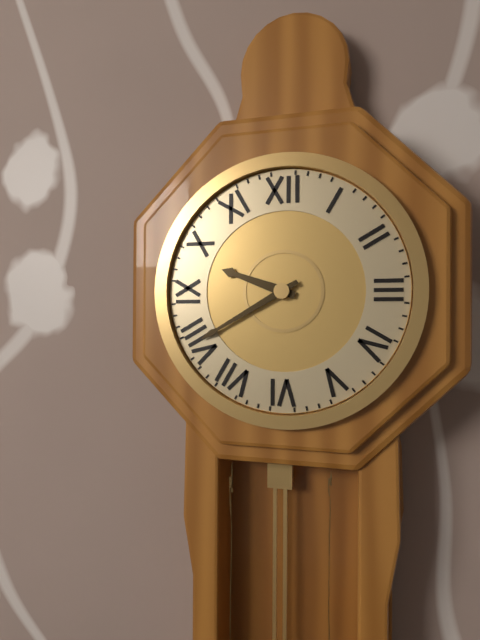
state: 9:40
